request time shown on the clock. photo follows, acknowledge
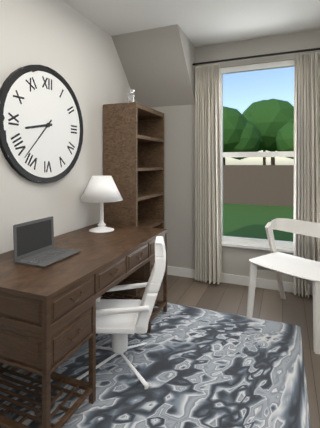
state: 8:37
